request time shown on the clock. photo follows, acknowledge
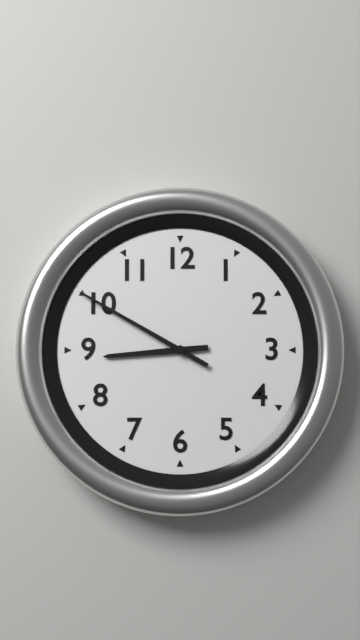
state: 8:50
